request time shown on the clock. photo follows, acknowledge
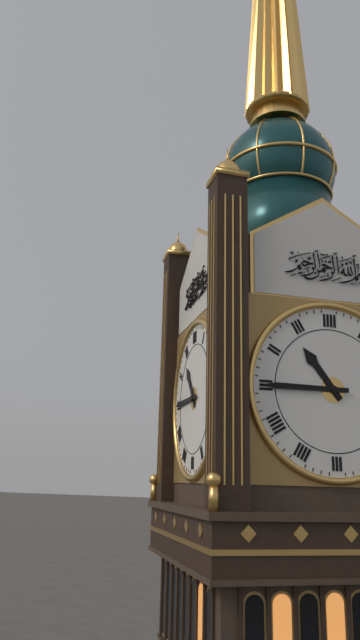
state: 10:45
